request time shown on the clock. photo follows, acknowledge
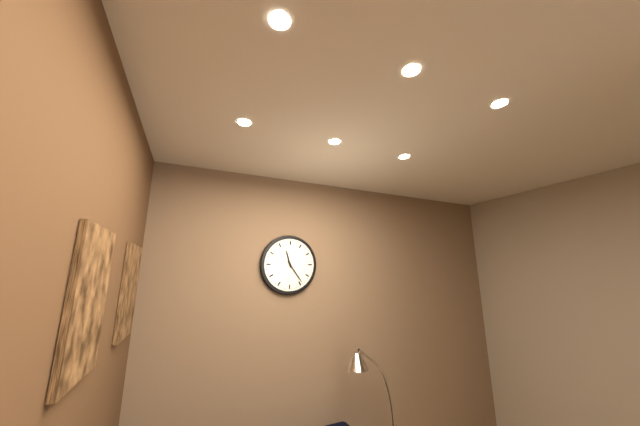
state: 11:24
